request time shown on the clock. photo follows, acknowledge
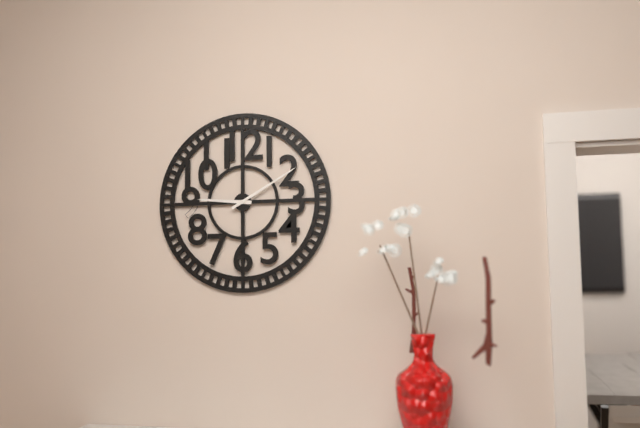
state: 9:10
